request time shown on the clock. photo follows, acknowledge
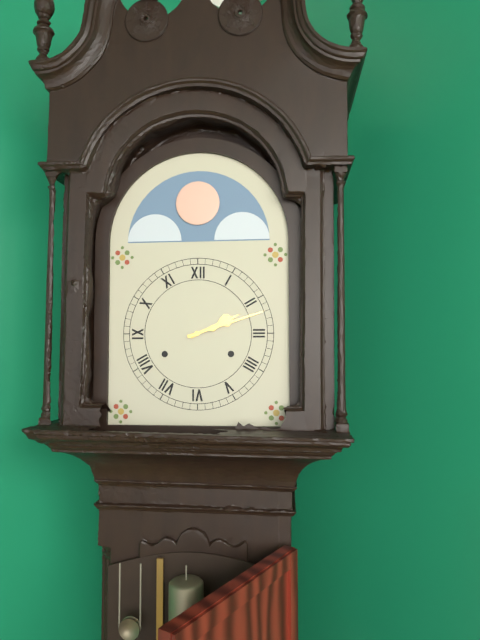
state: 2:12
